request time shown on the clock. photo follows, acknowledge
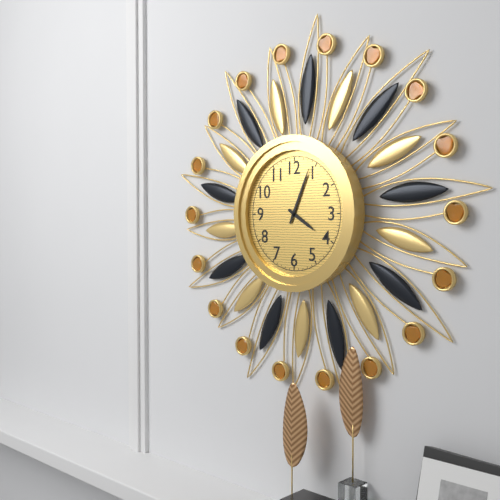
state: 4:04
